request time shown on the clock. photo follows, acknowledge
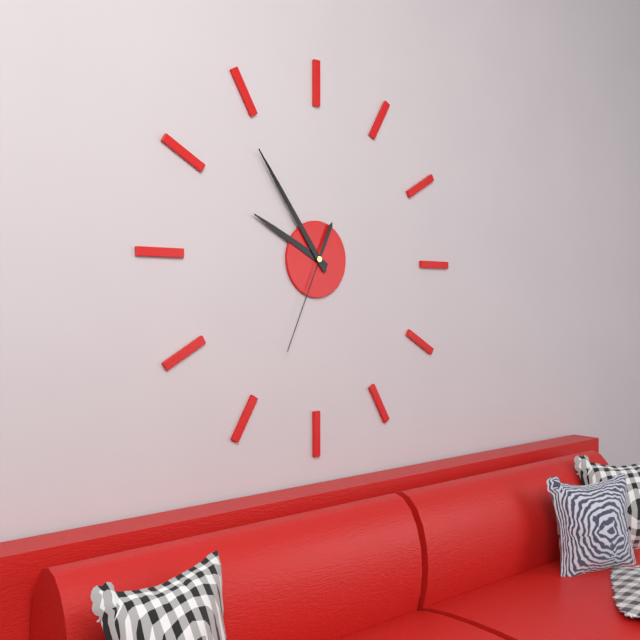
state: 9:54:34
